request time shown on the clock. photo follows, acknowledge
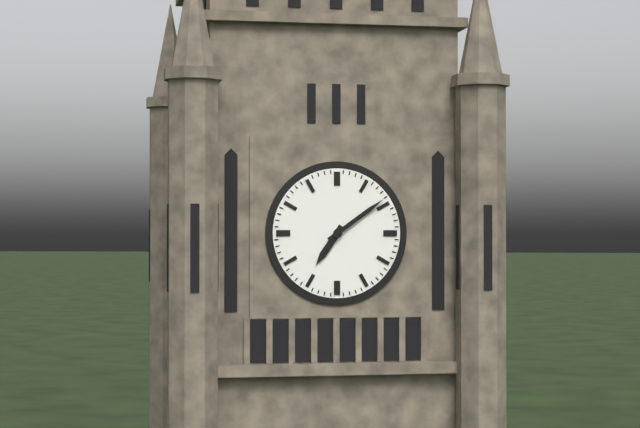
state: 7:09
